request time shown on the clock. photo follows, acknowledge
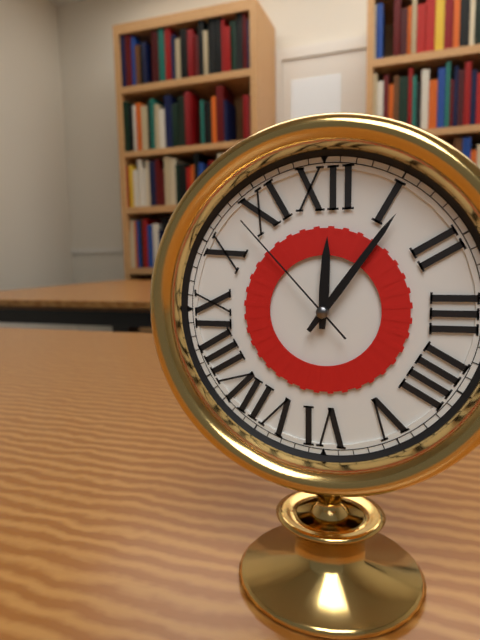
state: 12:06:53
